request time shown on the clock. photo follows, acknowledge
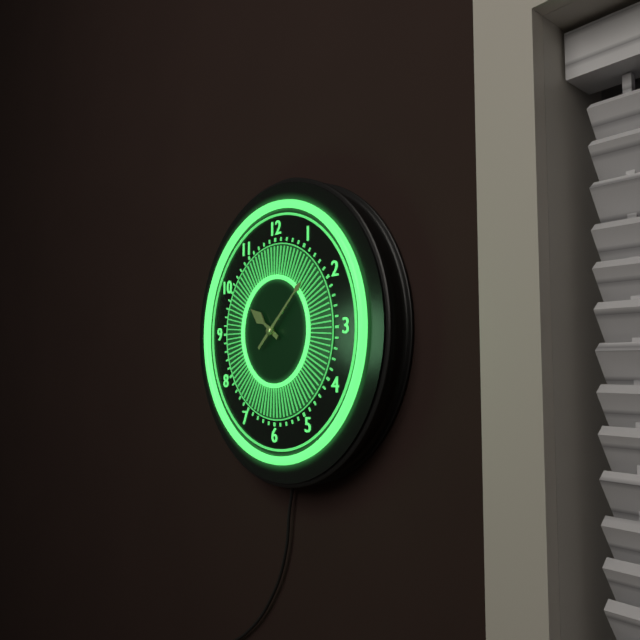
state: 10:08
